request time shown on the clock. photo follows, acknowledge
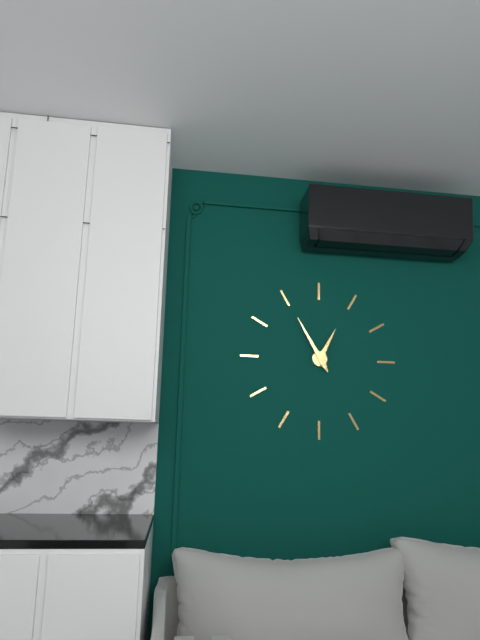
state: 12:55
